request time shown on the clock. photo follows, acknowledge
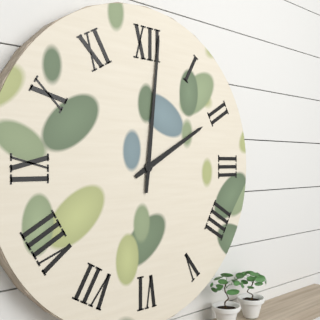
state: 2:01
